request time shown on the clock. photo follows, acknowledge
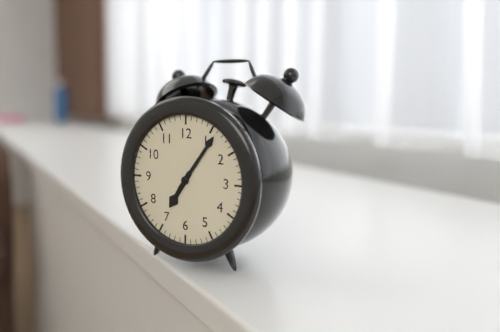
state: 7:06
